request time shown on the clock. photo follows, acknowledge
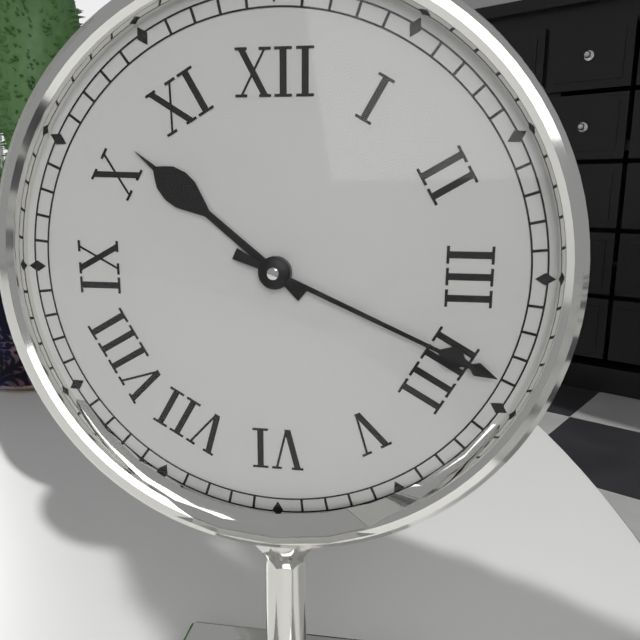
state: 10:19
